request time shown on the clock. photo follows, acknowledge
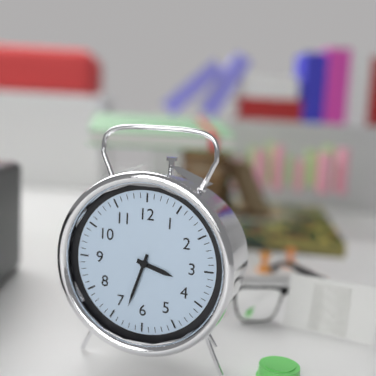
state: 3:33
